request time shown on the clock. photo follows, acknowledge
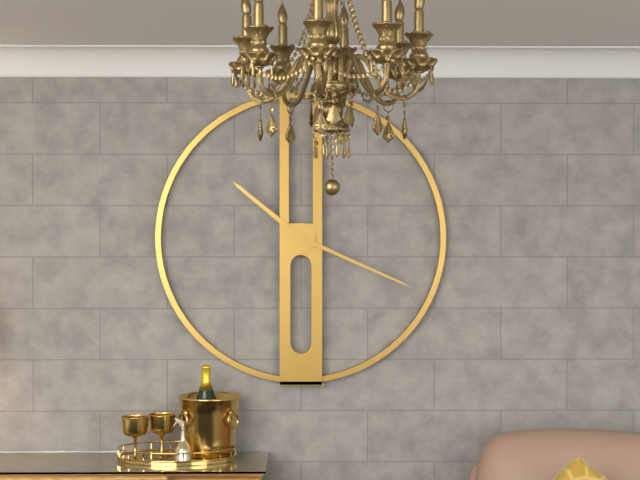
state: 10:19
